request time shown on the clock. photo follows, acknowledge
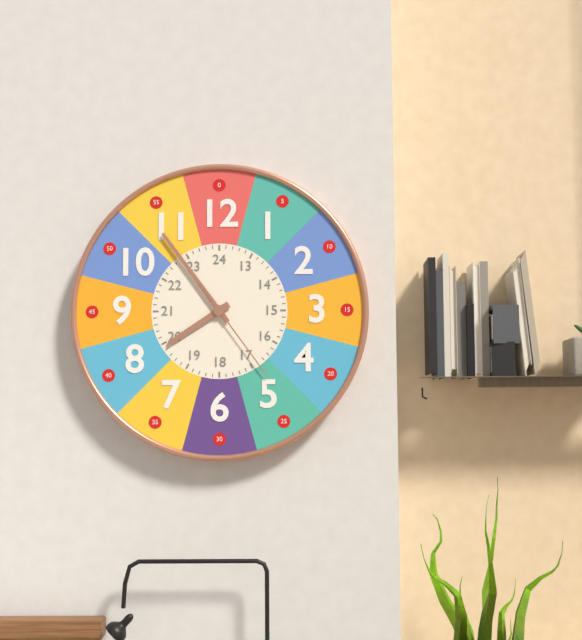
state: 7:54:24
